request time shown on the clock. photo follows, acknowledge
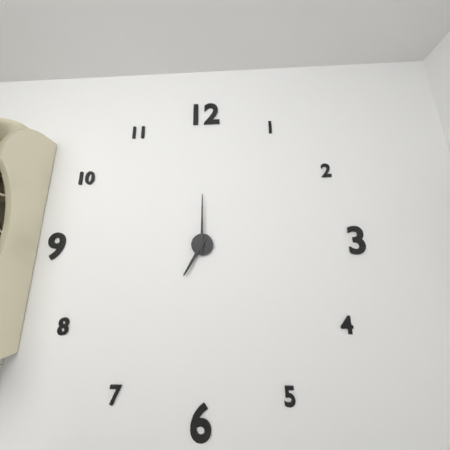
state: 7:00
